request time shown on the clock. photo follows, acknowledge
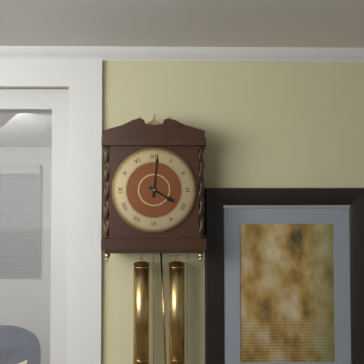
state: 4:01
